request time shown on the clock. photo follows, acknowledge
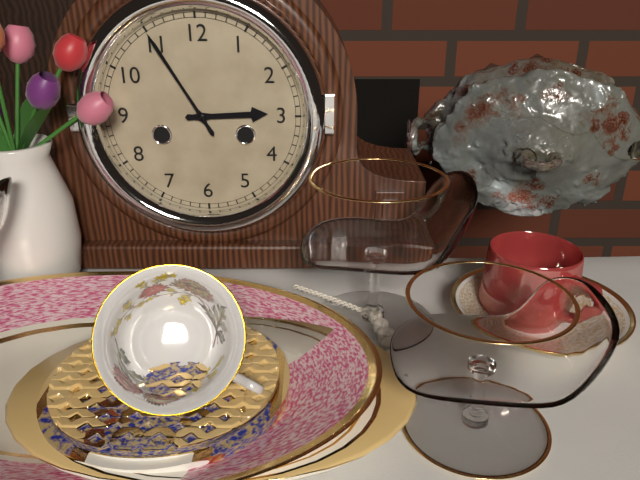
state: 2:55
